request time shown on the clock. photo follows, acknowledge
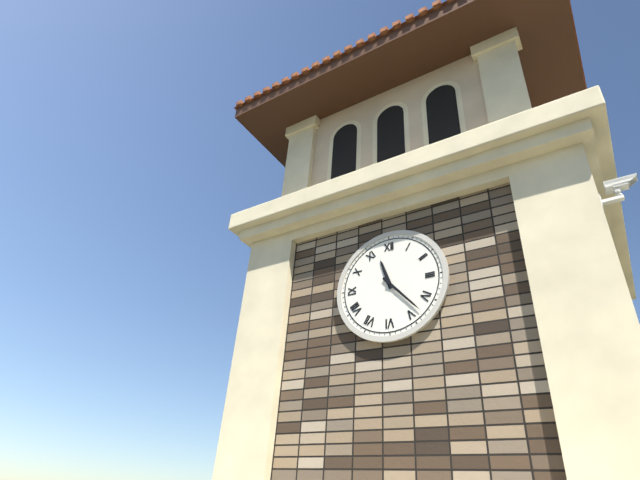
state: 11:23
